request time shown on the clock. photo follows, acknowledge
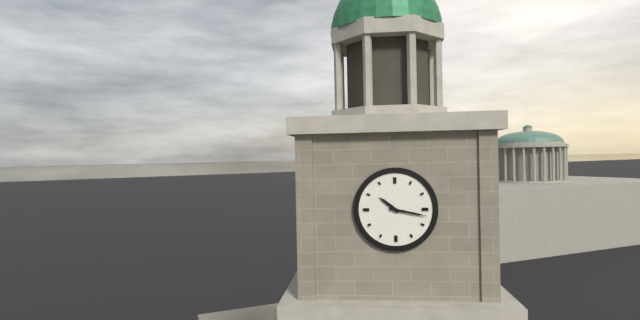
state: 10:17
